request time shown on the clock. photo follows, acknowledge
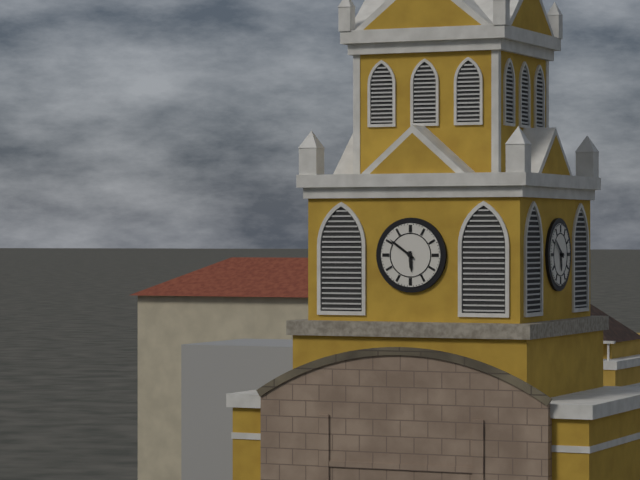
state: 5:51
